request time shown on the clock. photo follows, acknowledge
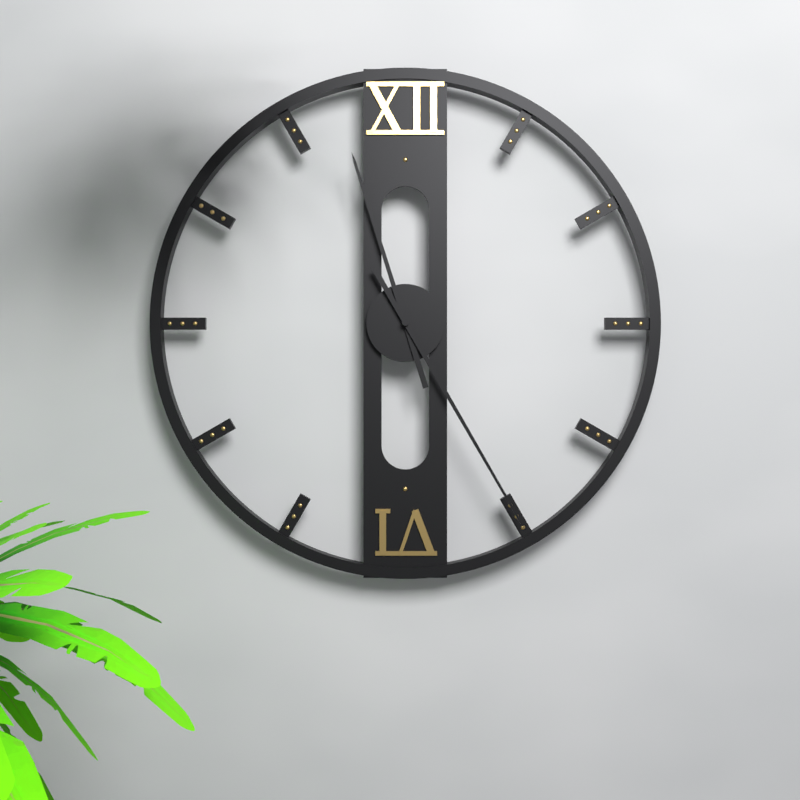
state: 11:25
